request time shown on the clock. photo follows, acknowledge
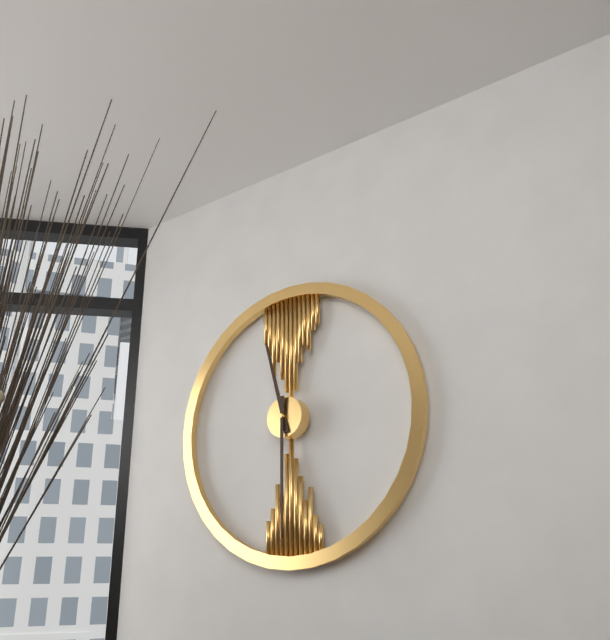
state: 11:30
